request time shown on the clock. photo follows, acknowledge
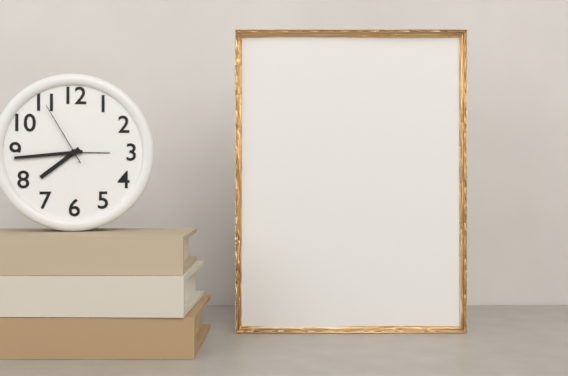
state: 7:44:55
